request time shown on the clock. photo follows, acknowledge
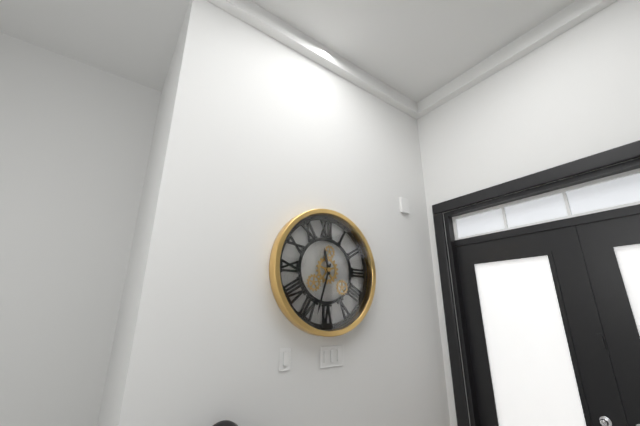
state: 11:33
